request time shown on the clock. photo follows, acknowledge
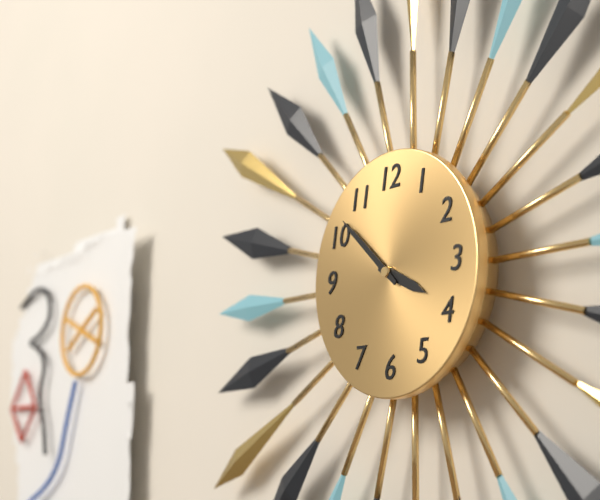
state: 3:52
